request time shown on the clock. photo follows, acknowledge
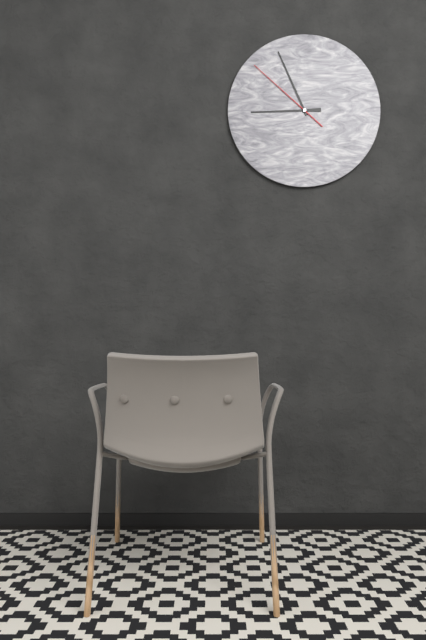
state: 8:56:52
